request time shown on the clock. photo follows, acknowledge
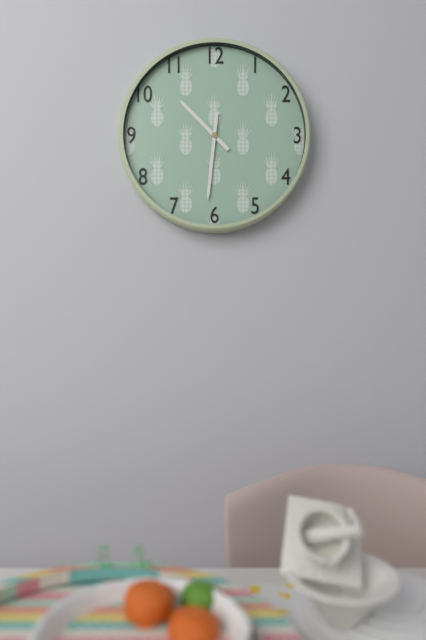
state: 10:31
